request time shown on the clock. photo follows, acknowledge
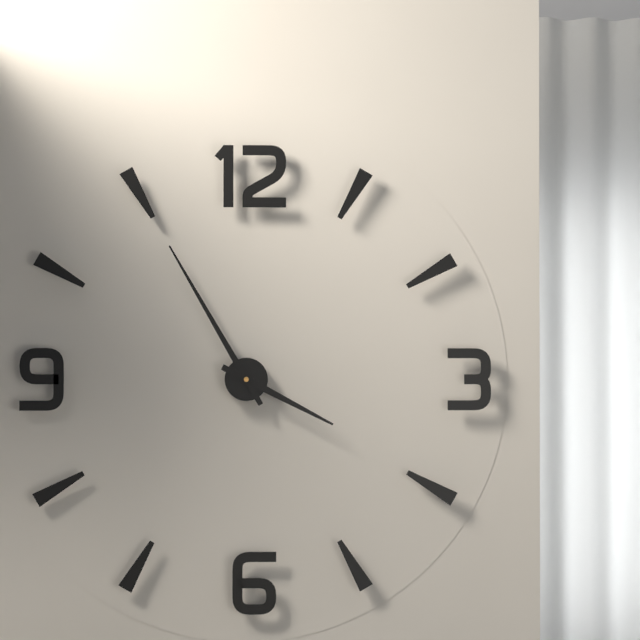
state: 3:55
